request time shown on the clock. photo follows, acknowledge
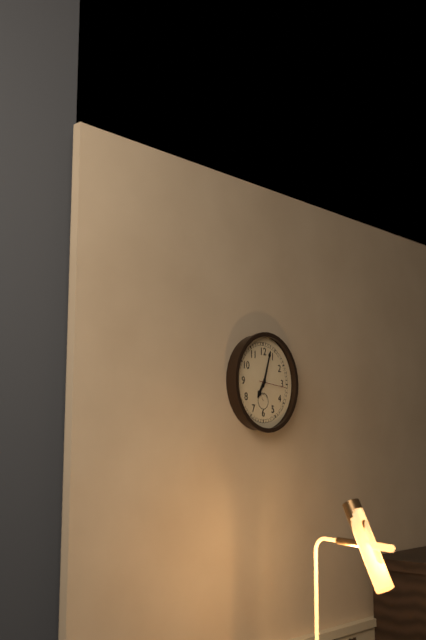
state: 7:03
